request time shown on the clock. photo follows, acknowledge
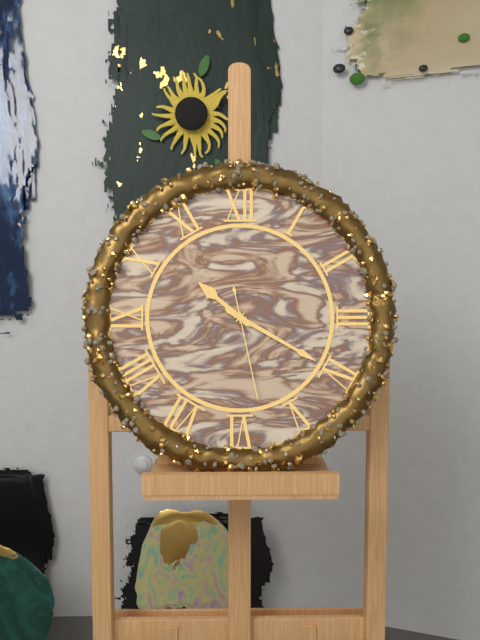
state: 10:20:28
